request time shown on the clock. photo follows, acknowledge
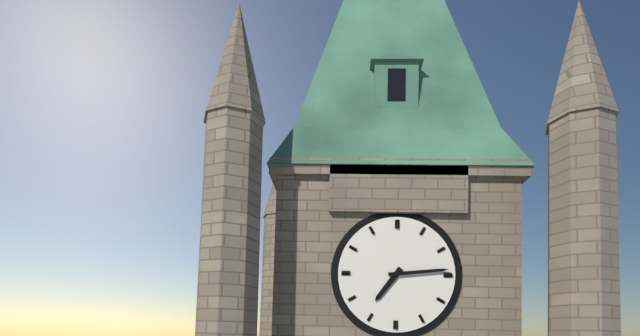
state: 7:14
